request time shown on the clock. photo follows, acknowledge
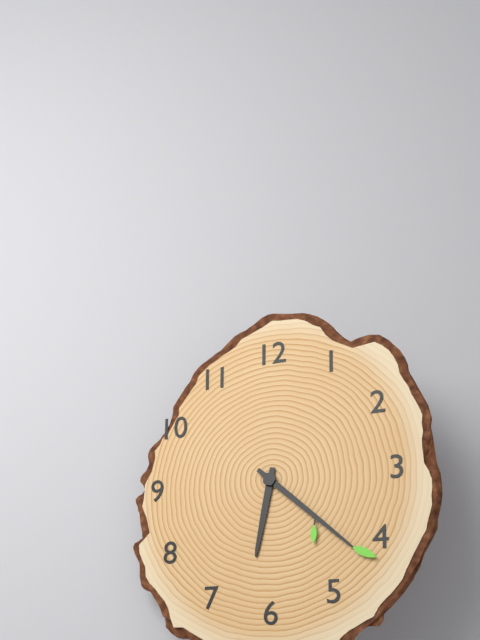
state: 6:22
